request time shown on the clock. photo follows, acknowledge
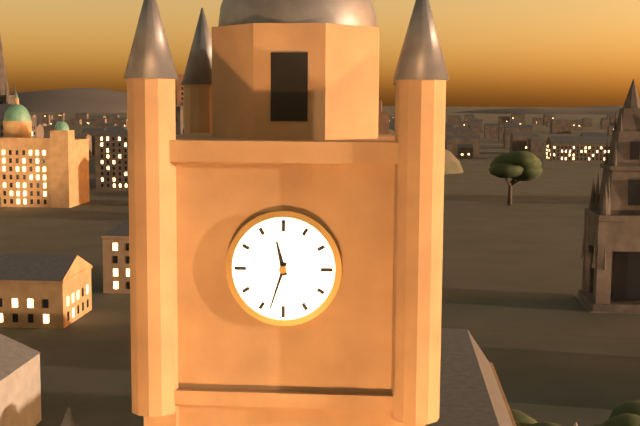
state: 11:33
